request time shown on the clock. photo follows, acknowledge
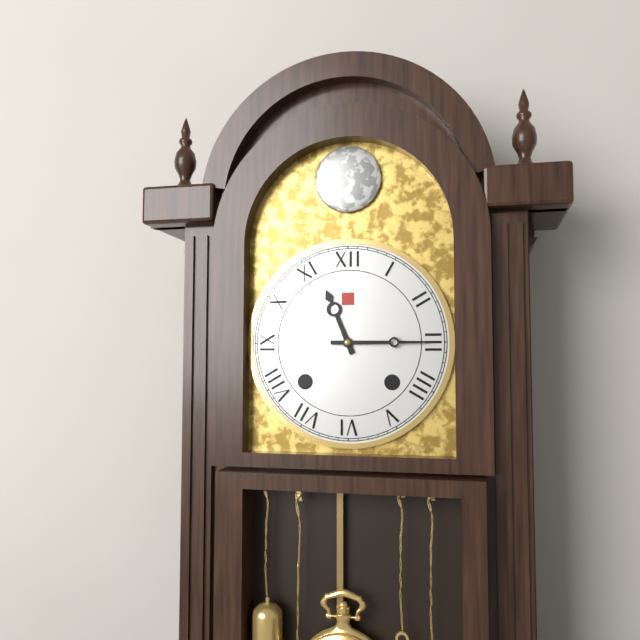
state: 11:15
